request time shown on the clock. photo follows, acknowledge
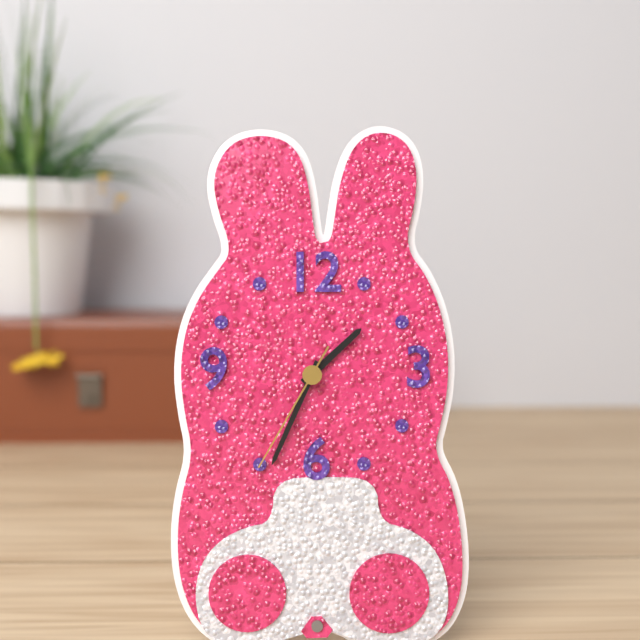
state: 1:34:35
